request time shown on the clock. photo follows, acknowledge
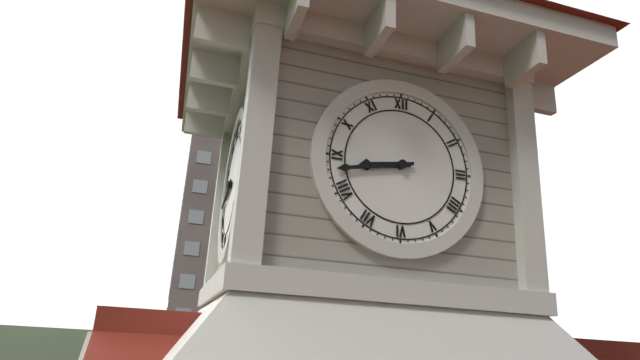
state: 8:43
